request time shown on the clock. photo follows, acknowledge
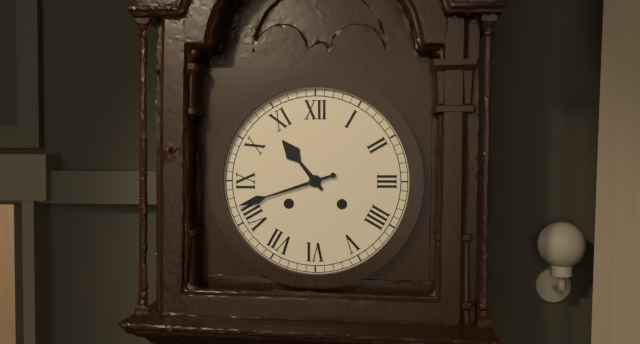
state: 10:42
